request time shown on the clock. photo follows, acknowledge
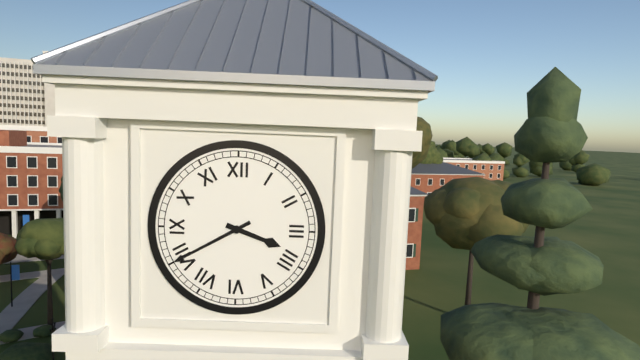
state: 3:40
